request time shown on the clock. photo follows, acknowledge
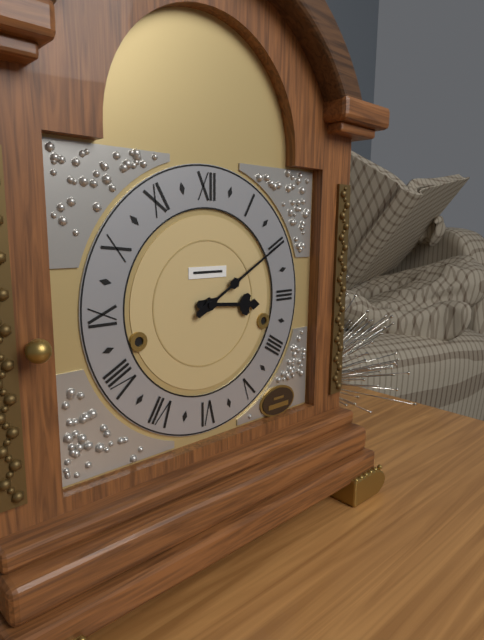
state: 3:10
